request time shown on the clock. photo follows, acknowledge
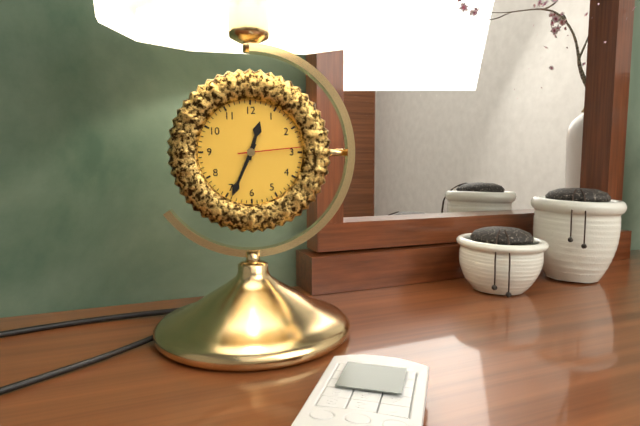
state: 12:34:14
